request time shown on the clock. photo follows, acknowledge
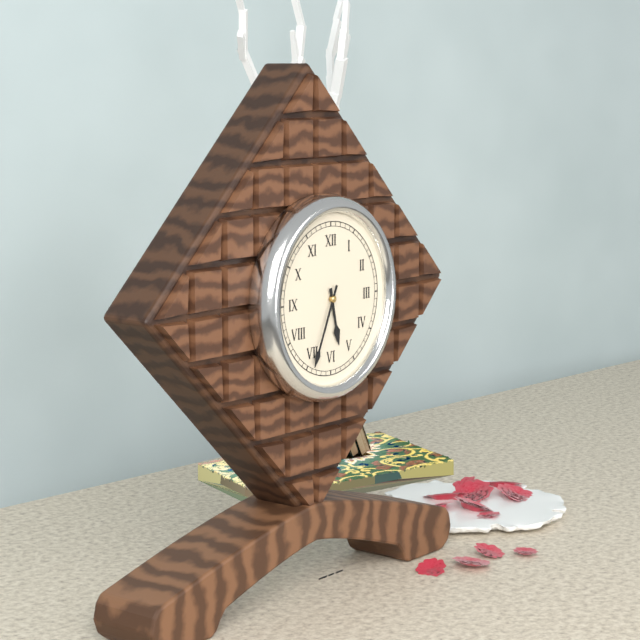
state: 5:34
